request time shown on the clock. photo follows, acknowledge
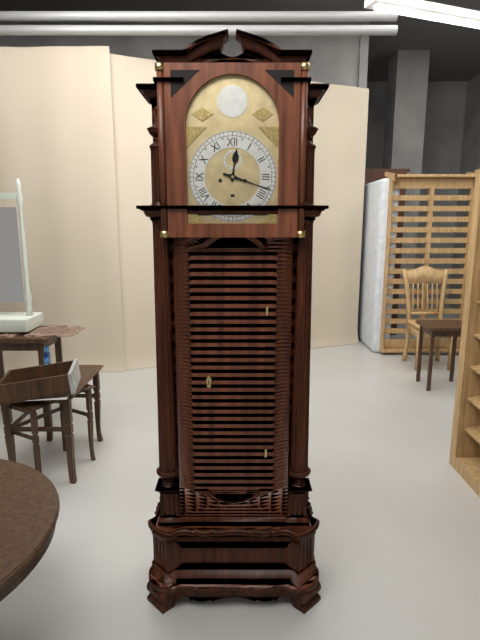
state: 12:18
